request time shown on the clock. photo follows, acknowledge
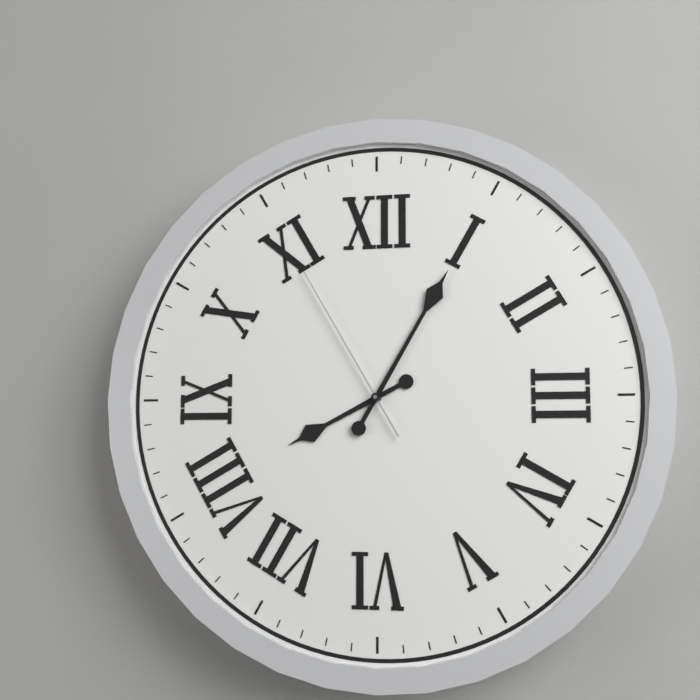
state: 8:05:55
